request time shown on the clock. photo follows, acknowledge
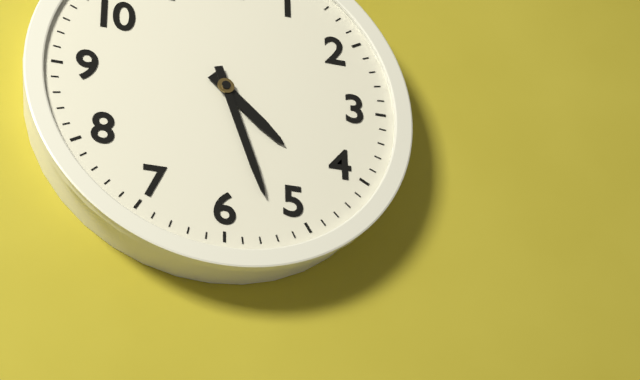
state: 4:27
